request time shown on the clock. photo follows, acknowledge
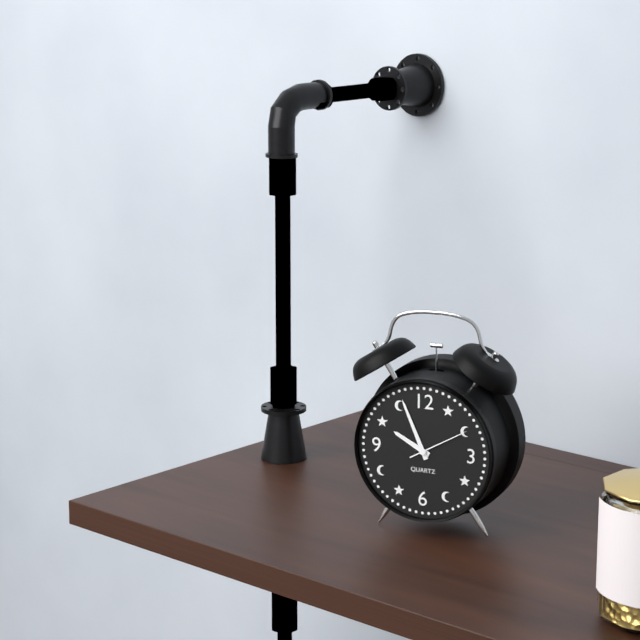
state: 9:56:10
